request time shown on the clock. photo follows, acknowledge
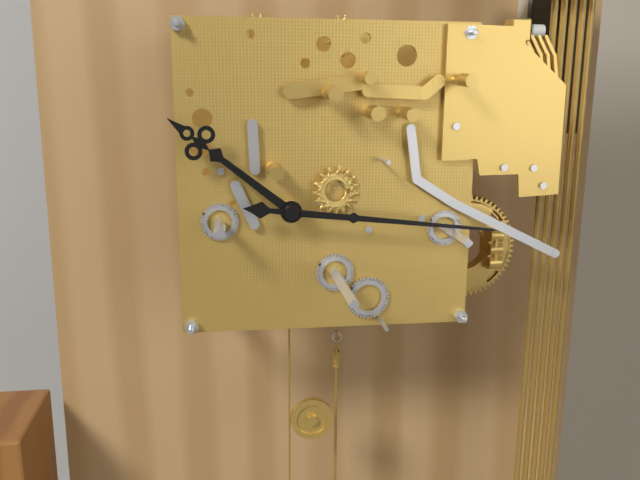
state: 10:16
